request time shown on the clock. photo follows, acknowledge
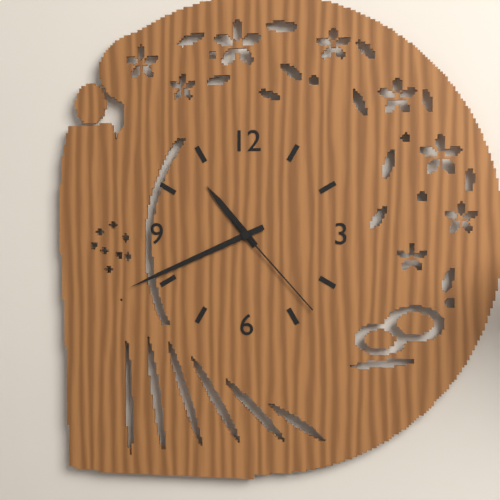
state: 10:41:23
